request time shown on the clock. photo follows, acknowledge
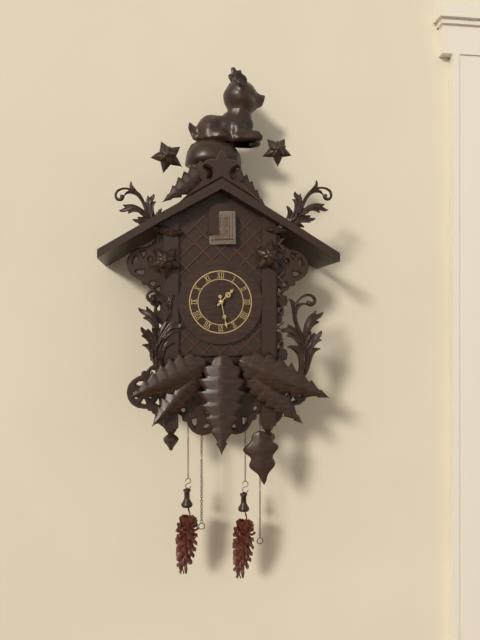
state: 1:28
